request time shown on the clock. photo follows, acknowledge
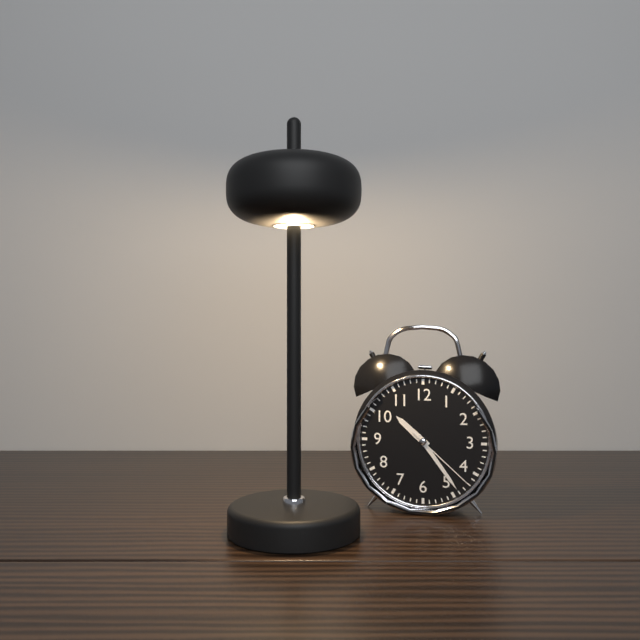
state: 10:24:22
